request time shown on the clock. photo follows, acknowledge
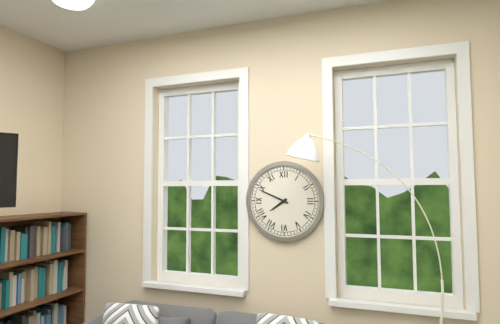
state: 7:49
